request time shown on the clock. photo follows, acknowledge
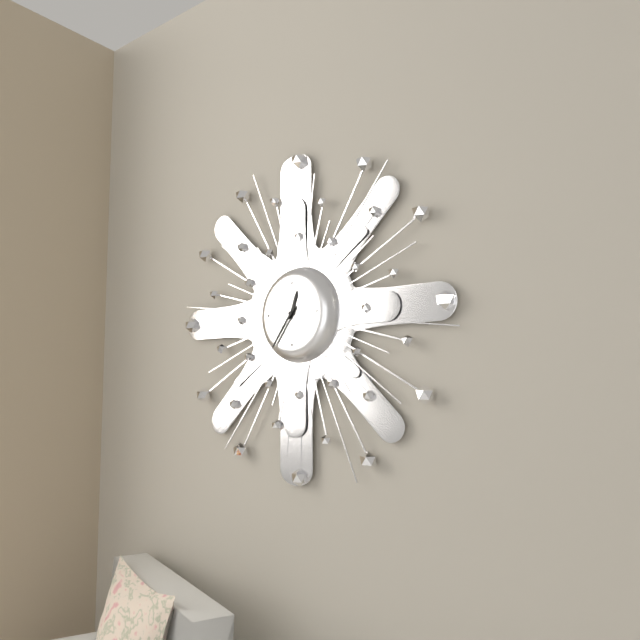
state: 12:36
